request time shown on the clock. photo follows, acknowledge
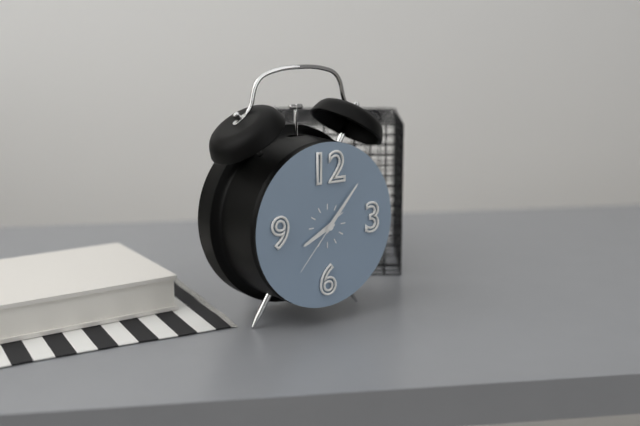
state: 8:07:37
